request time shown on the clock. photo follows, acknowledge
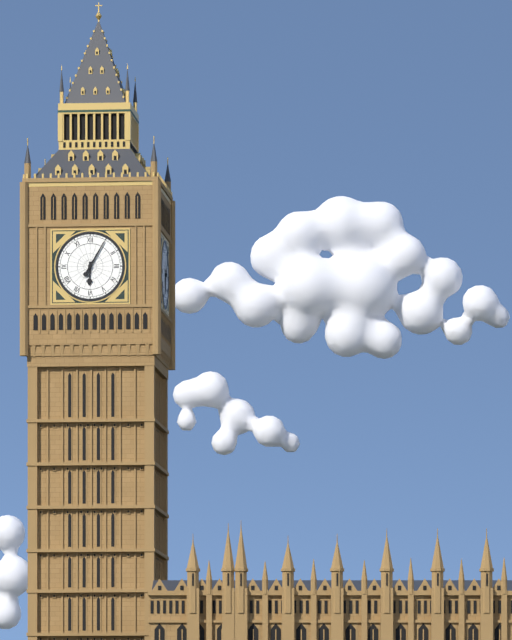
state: 6:05
